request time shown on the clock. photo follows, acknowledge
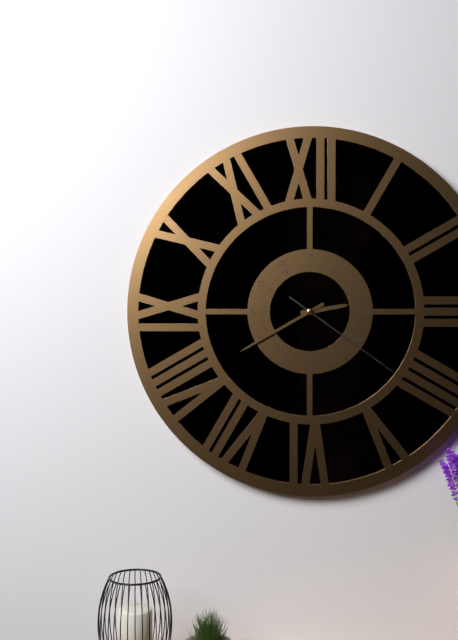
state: 2:40:21
